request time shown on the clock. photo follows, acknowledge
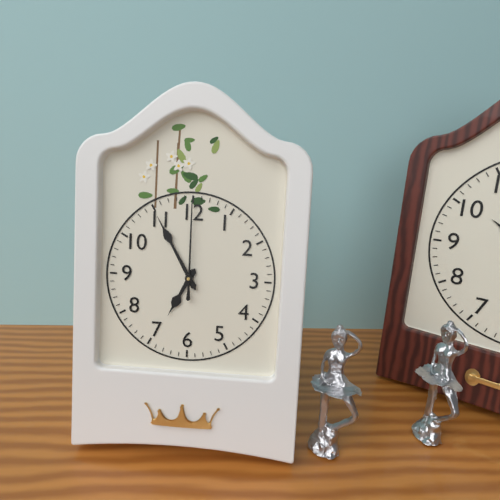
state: 6:55:00
